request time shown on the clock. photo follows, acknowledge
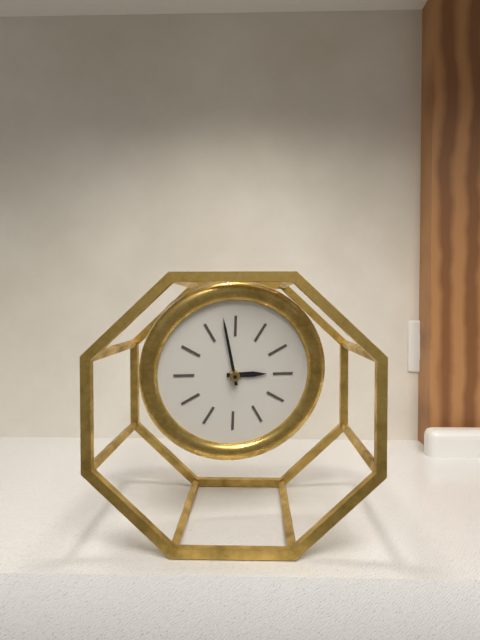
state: 2:58
